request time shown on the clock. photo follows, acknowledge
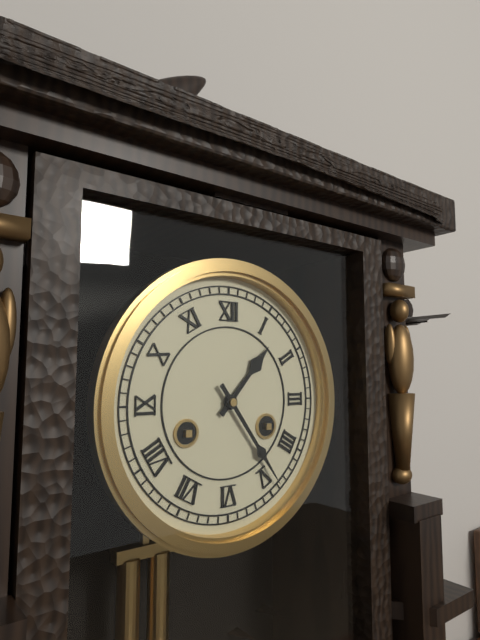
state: 1:24
